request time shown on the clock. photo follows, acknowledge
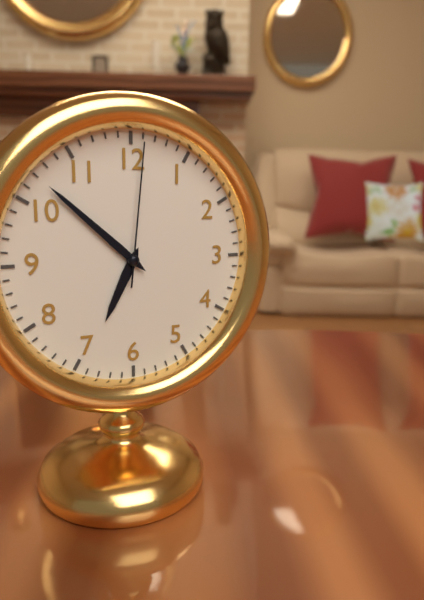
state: 6:52:01
